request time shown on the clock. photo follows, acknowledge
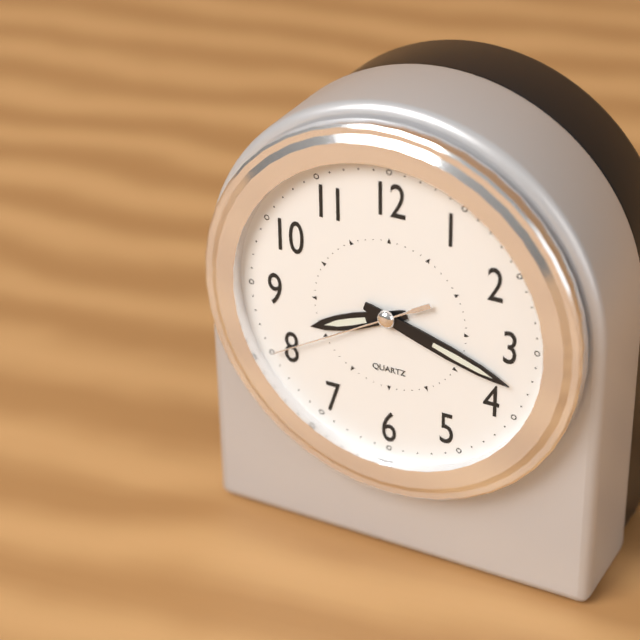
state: 8:18:40
